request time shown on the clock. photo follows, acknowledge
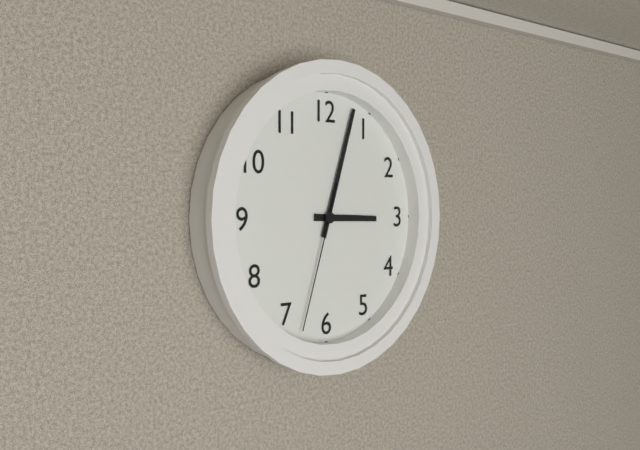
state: 3:03:33
